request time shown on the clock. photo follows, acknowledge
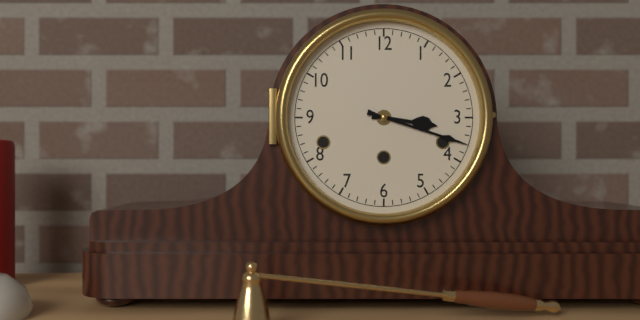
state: 3:18
